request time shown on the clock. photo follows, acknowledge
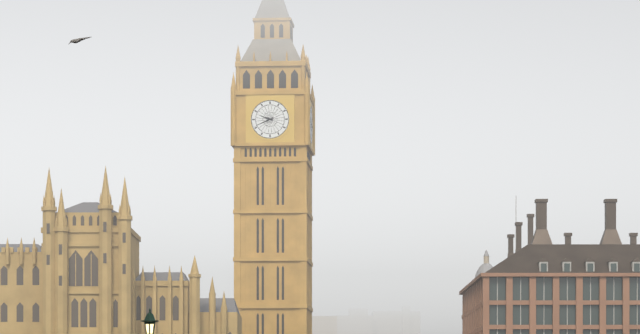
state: 9:41
